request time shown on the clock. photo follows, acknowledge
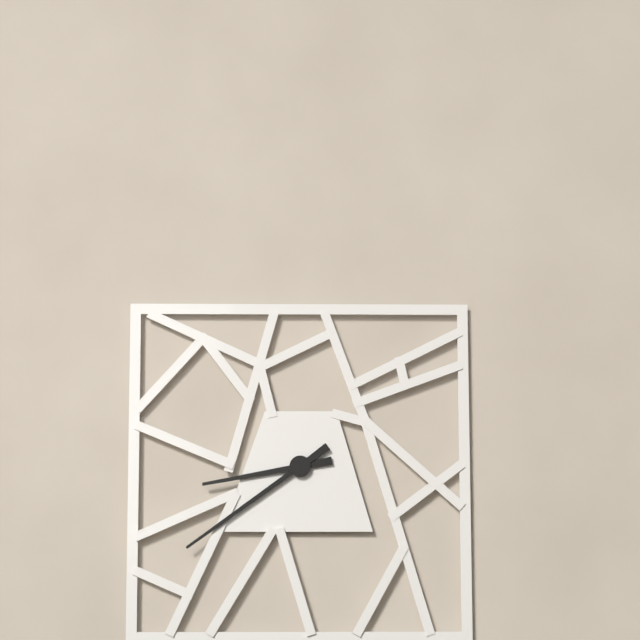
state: 8:39
